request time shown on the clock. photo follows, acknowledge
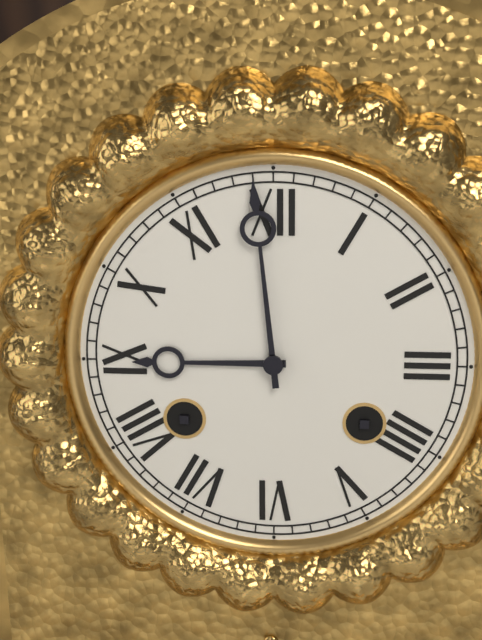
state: 8:59
